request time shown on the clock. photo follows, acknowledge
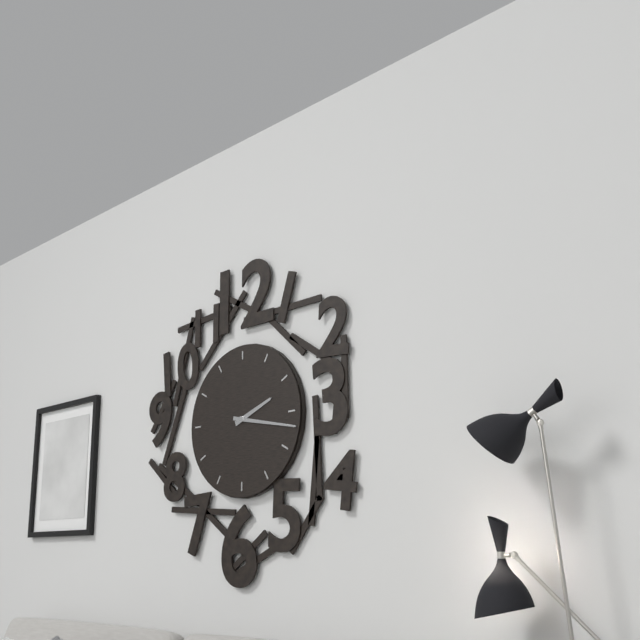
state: 2:17
